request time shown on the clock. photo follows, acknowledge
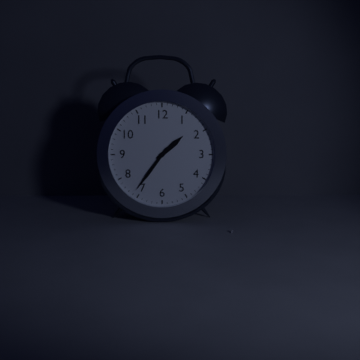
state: 1:36
